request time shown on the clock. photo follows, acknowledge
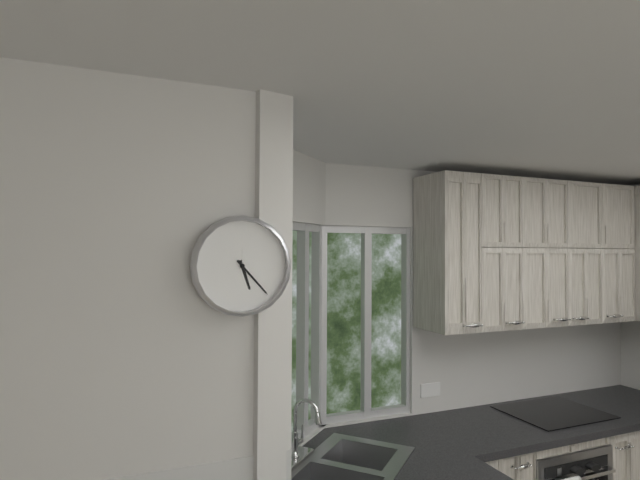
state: 5:23
